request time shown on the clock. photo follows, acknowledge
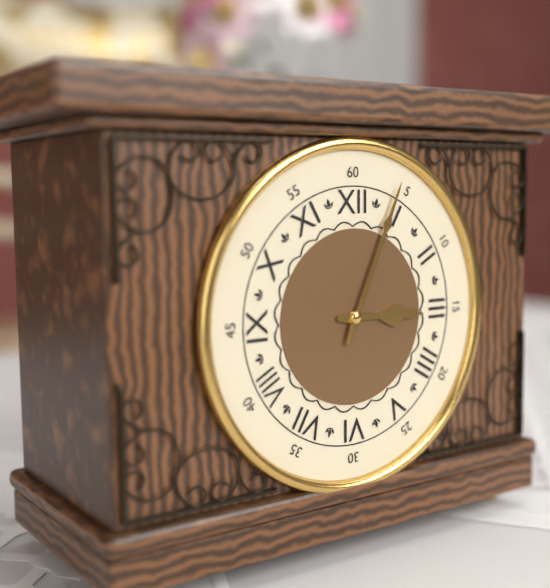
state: 3:04
